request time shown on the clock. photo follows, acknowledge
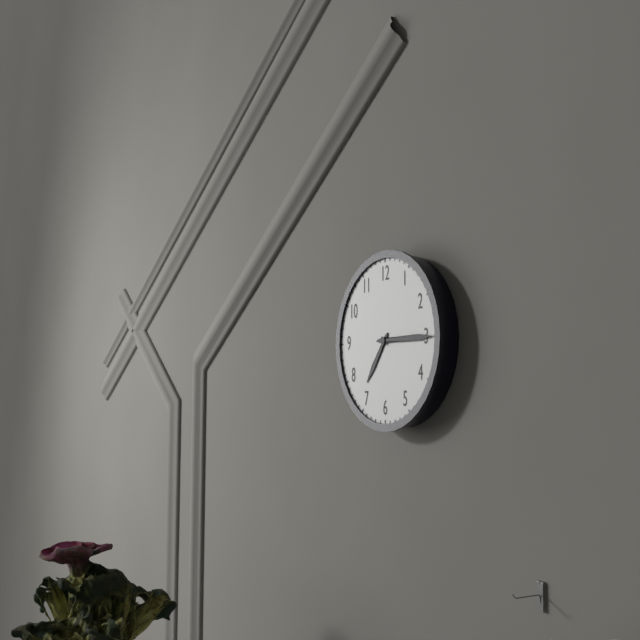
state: 7:15
